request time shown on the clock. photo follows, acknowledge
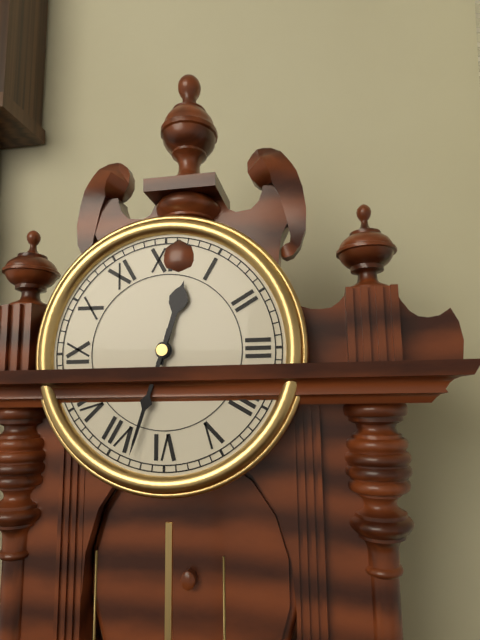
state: 12:33
